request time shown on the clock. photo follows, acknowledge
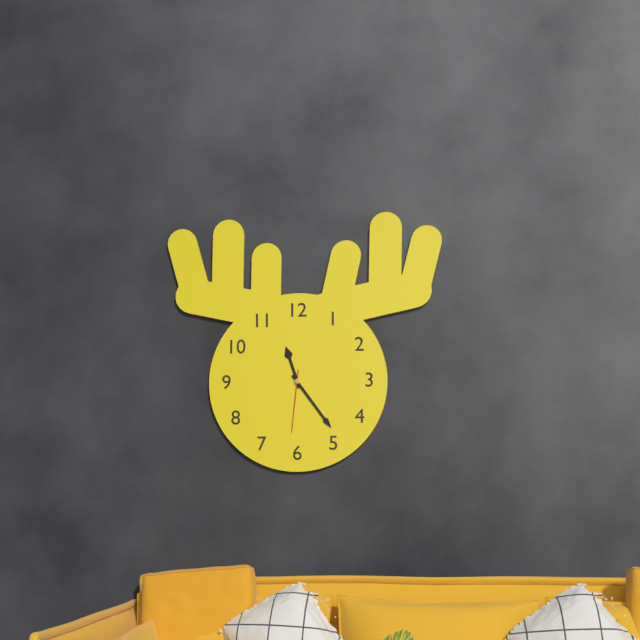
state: 11:24:31
